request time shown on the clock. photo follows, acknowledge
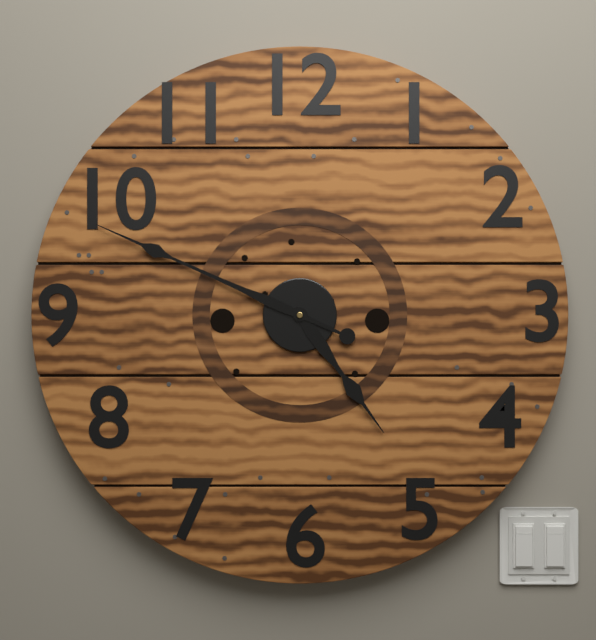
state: 4:49
